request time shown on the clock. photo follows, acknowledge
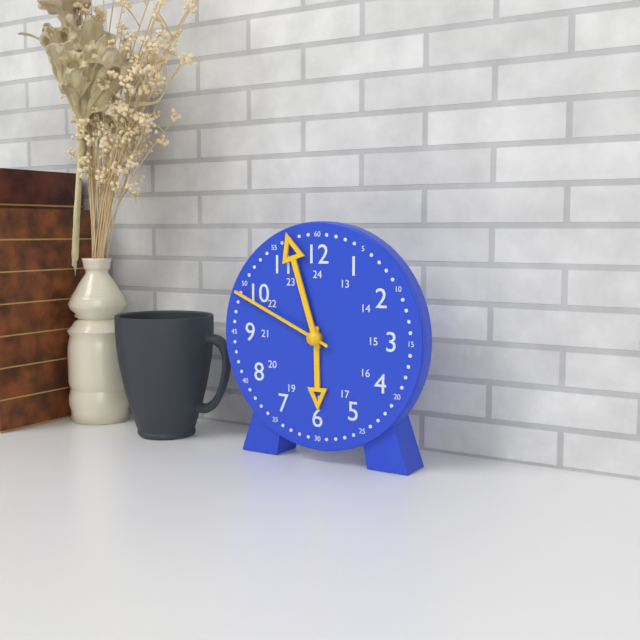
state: 5:57:49
